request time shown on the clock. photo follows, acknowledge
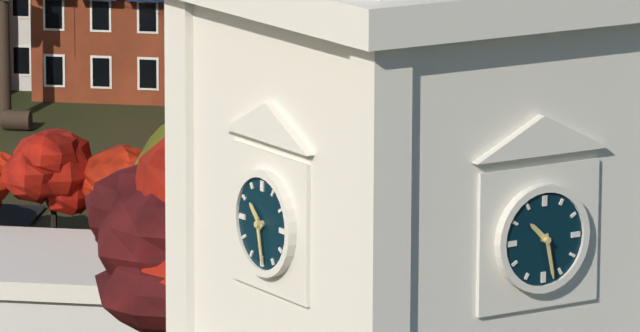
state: 10:28
